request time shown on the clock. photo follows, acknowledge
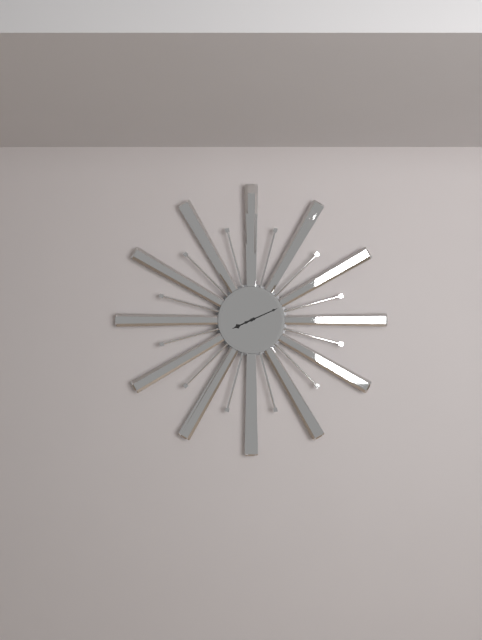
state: 8:11
